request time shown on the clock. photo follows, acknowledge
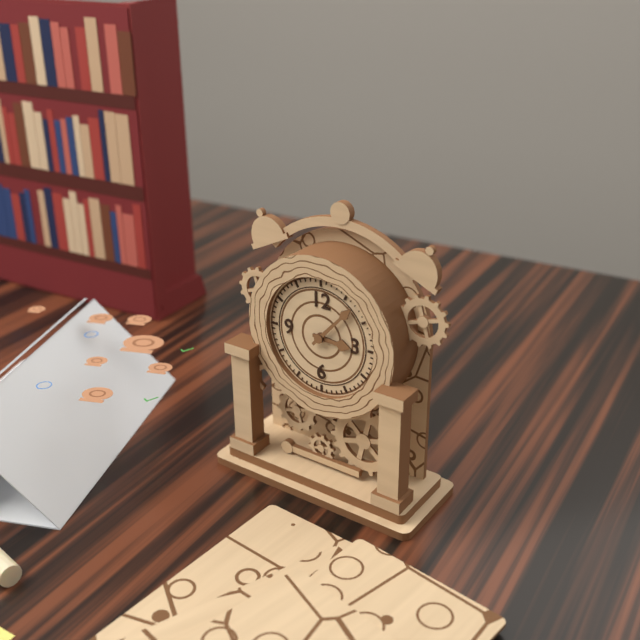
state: 3:07
